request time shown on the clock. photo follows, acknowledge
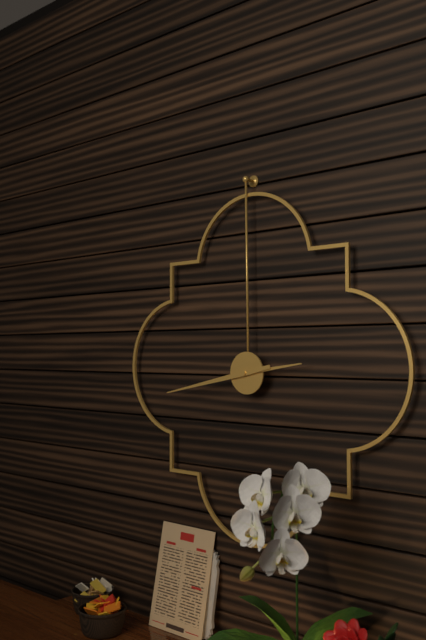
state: 2:43
